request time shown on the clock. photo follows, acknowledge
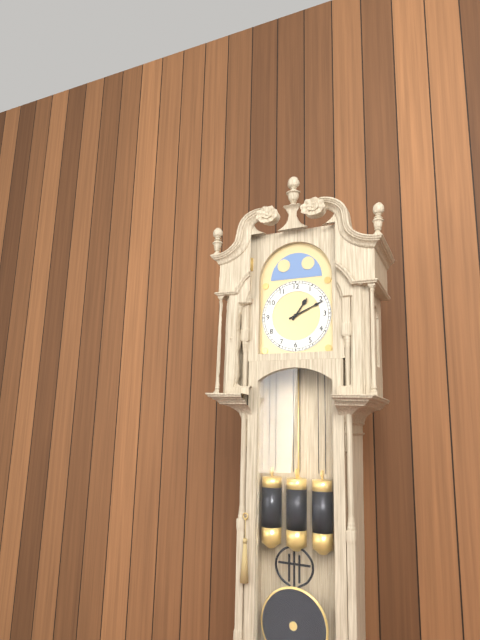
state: 1:11
